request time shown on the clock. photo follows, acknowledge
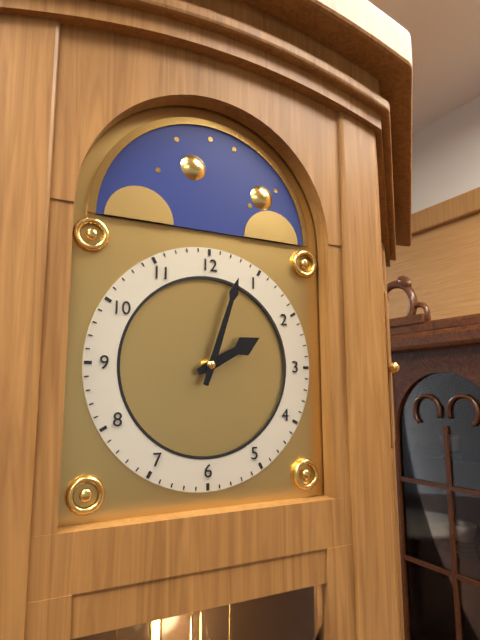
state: 2:03
